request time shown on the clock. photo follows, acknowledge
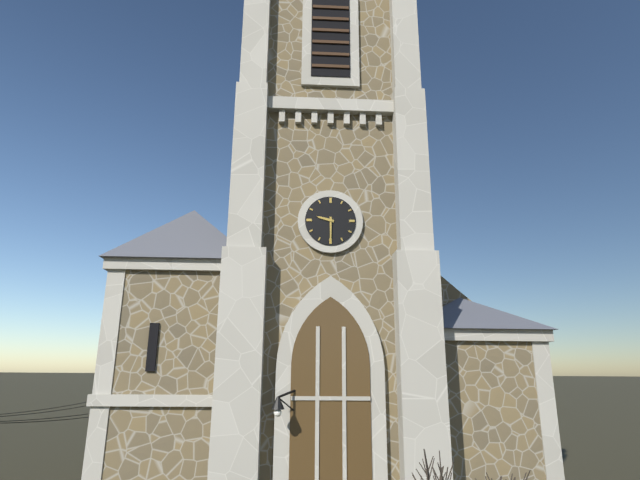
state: 9:30
